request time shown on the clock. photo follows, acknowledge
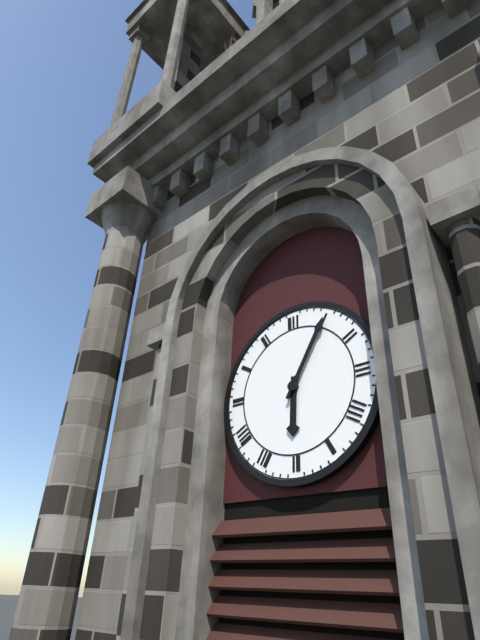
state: 6:05
